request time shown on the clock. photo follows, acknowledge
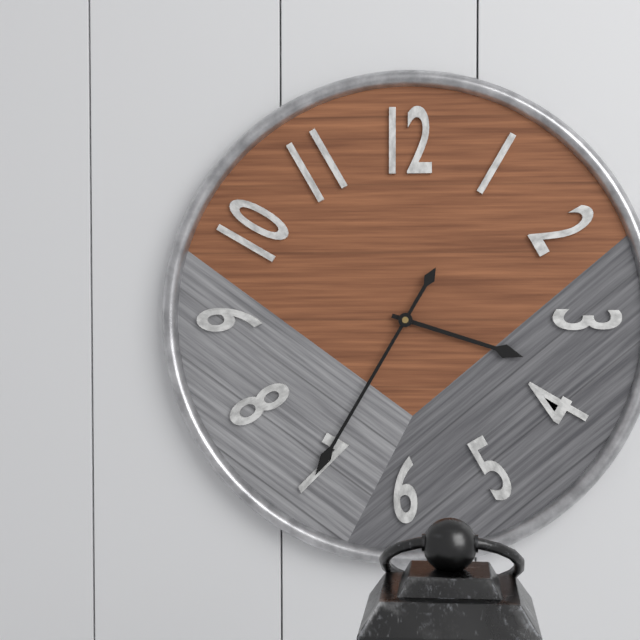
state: 3:35
